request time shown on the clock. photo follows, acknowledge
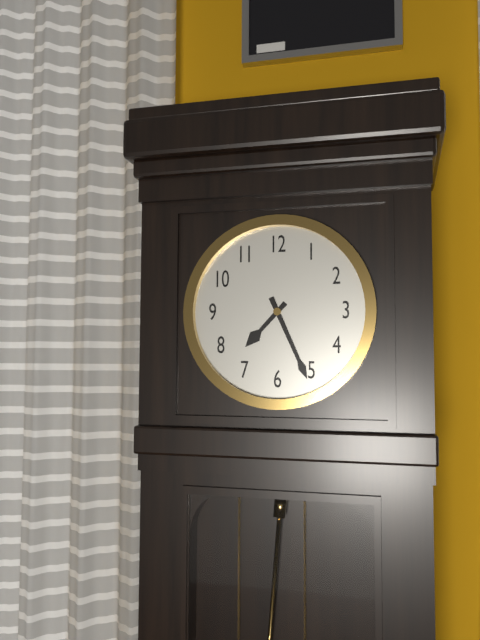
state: 7:26
